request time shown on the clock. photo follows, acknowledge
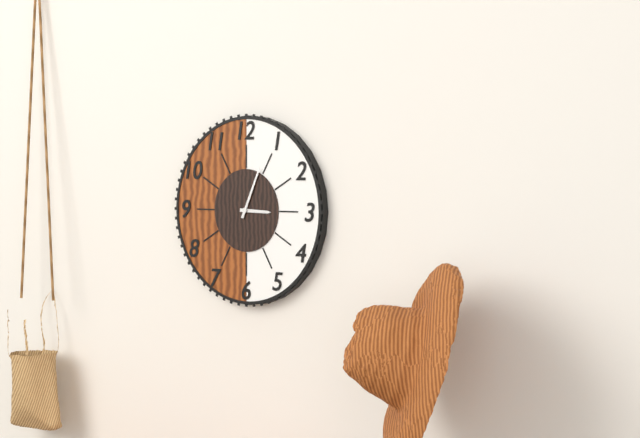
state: 3:04
